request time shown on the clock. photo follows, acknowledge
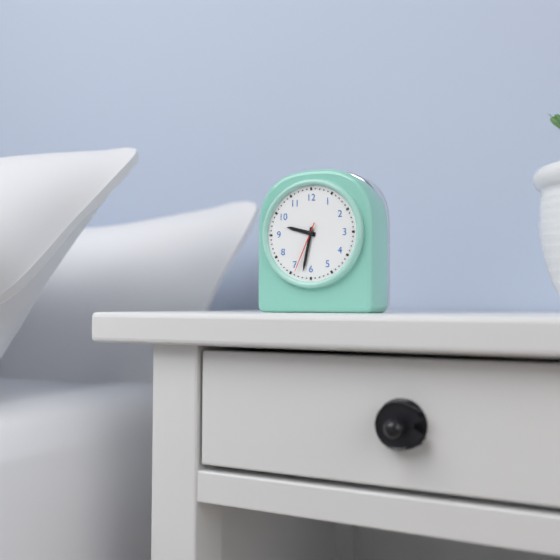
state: 9:32:34
